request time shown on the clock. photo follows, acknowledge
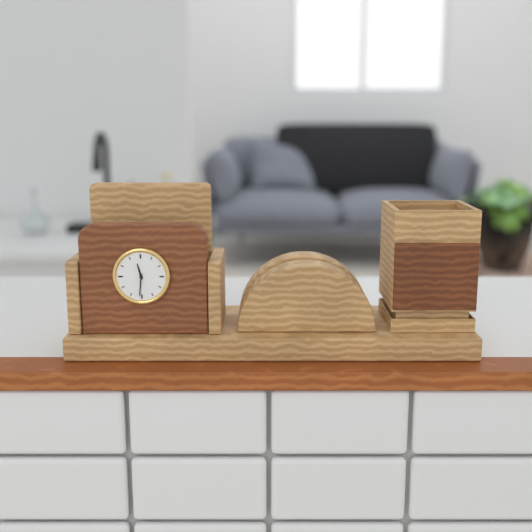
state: 11:31
